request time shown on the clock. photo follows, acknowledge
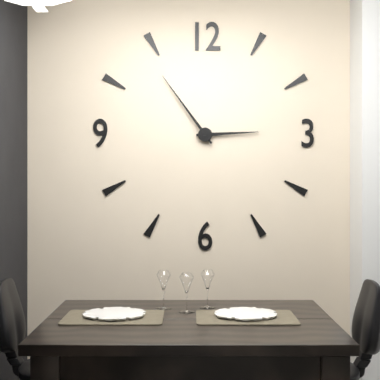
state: 2:54
